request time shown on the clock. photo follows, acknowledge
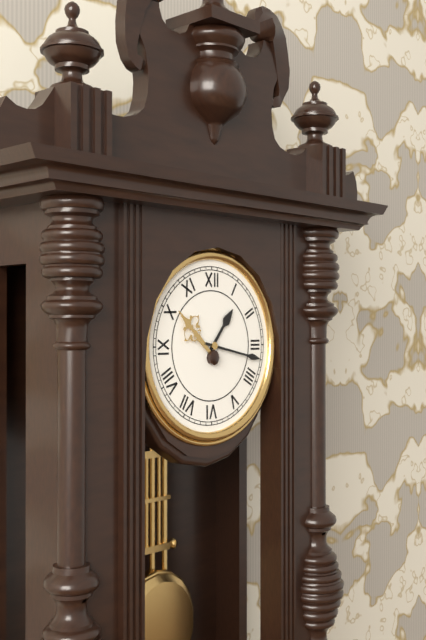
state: 1:17
